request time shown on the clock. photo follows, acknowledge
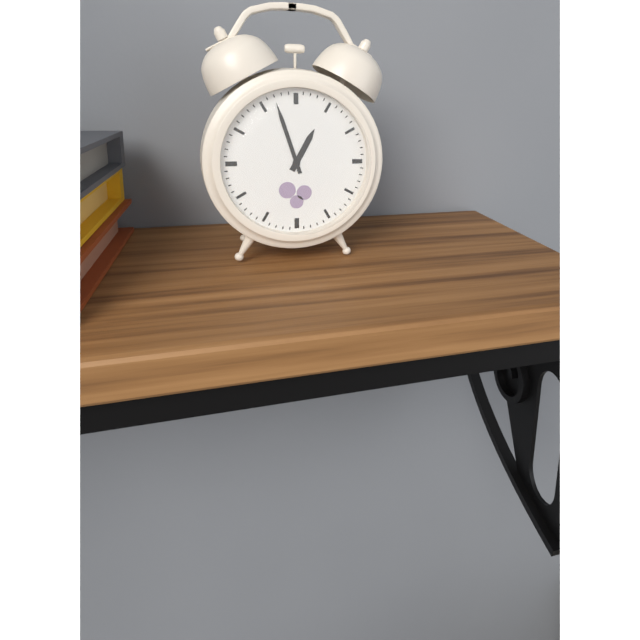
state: 12:57
